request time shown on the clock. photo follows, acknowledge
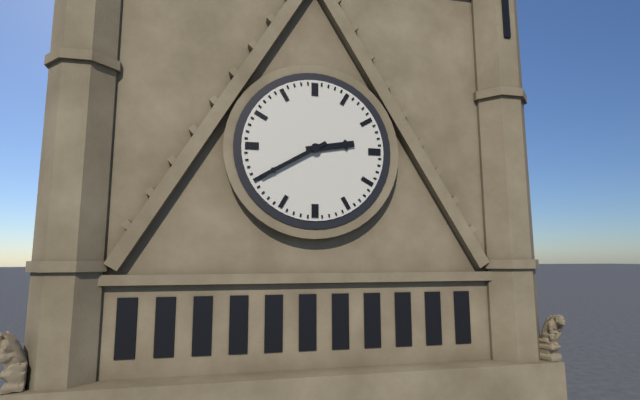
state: 2:40
